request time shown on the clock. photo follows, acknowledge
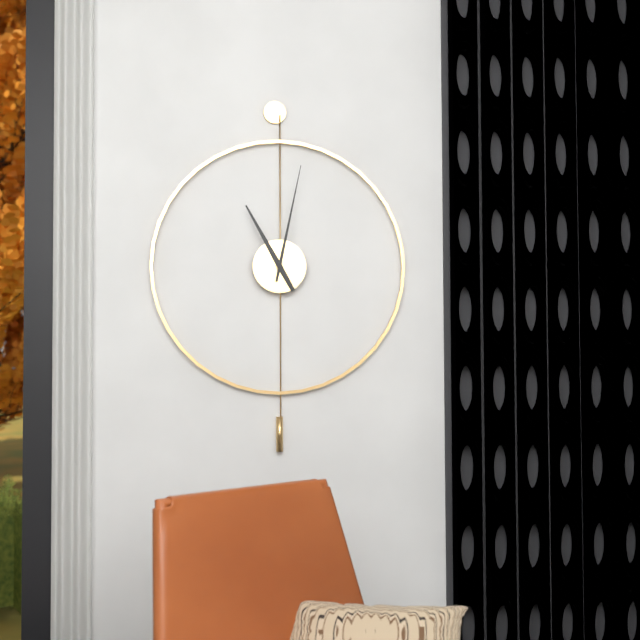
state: 11:02
